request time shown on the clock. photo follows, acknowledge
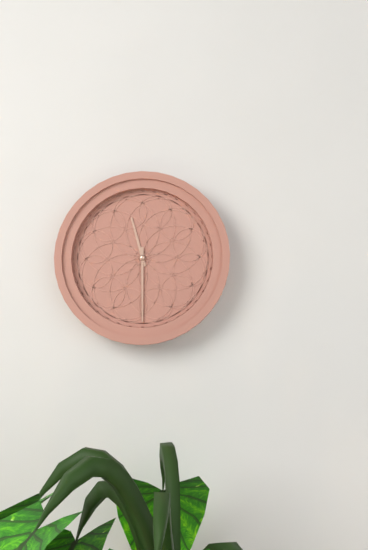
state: 11:30
